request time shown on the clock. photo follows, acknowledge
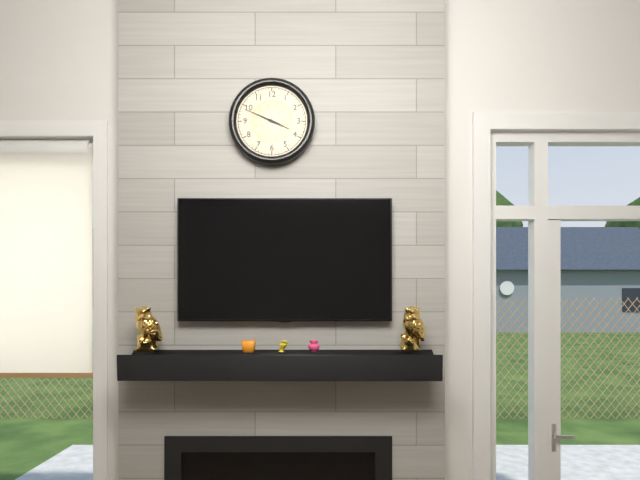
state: 3:49
